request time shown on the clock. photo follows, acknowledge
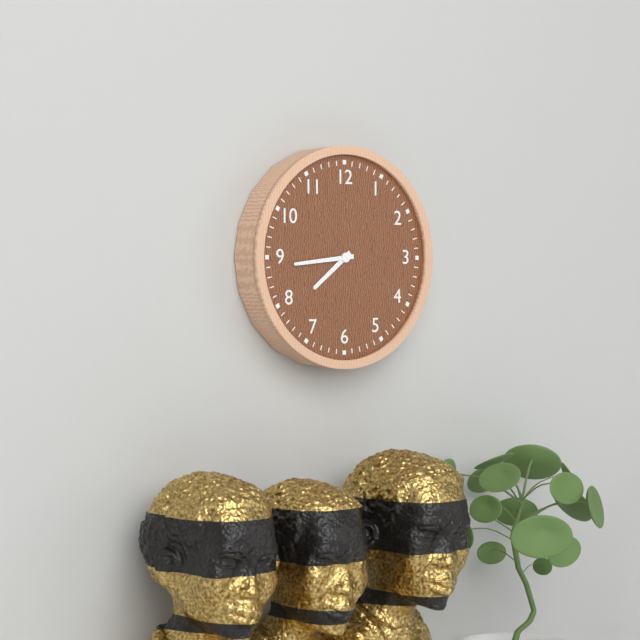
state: 7:44
